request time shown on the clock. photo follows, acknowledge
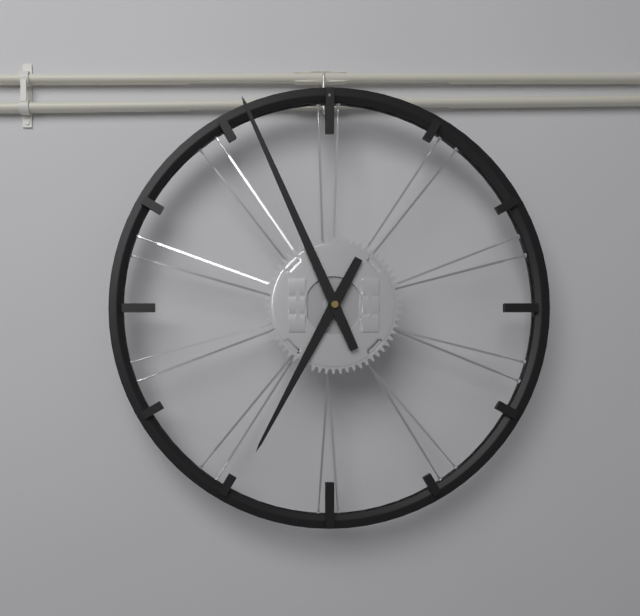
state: 6:56
